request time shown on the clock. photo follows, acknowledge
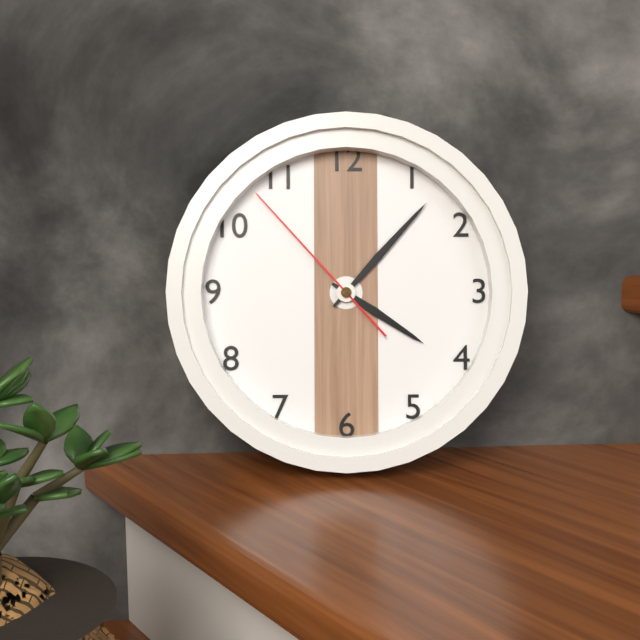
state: 4:07:53
